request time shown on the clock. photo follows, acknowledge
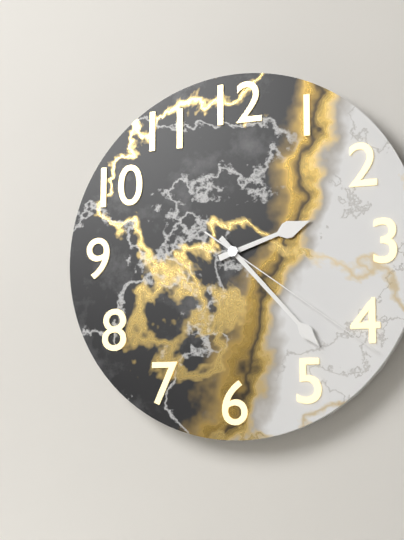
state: 2:23:21
